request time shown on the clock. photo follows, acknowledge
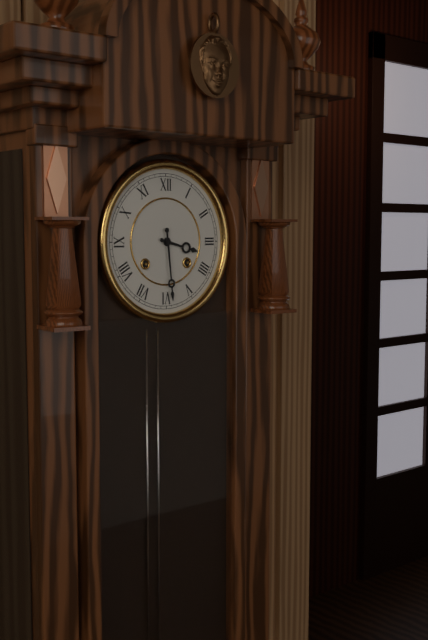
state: 3:29
